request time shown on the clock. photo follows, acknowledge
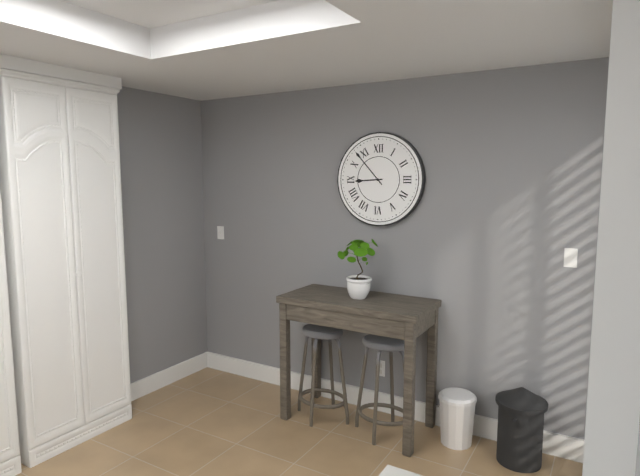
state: 8:53
